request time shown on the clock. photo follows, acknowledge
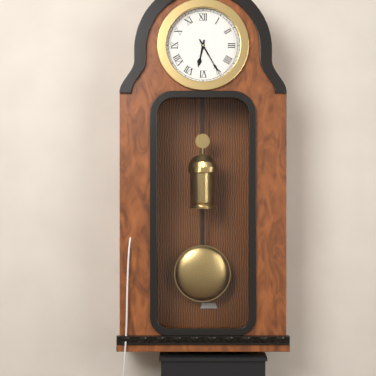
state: 6:25
